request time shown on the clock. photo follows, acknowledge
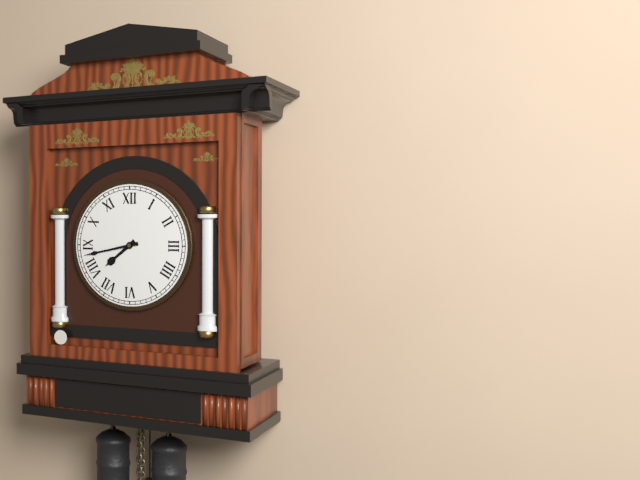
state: 7:43
